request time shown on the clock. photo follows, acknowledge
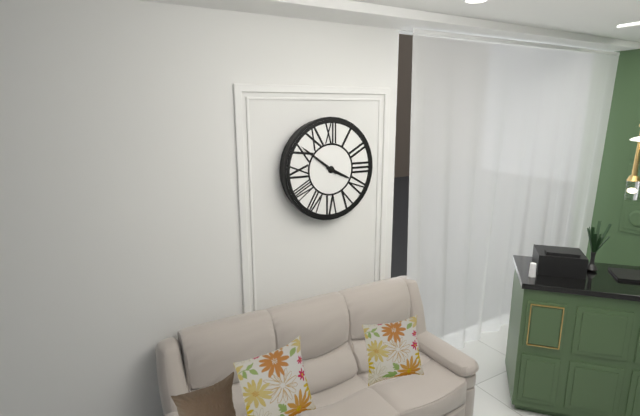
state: 3:51
